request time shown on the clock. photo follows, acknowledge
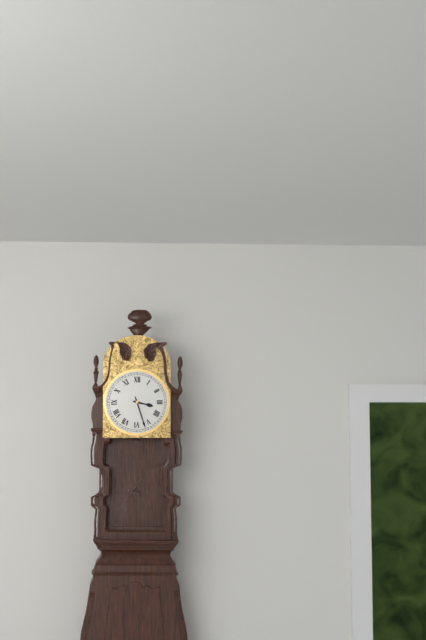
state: 3:27
